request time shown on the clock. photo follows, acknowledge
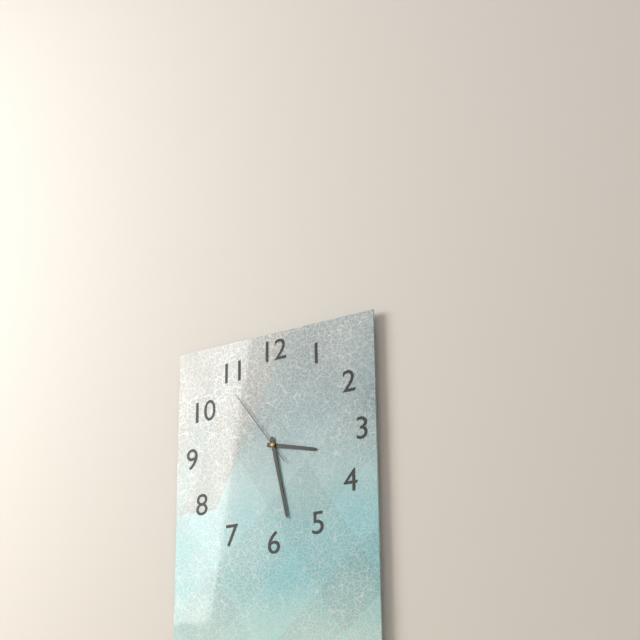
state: 3:28:54
